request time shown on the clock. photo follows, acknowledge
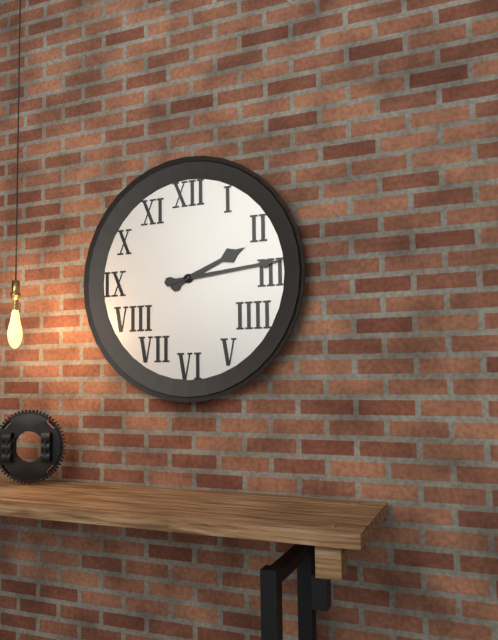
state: 2:14
